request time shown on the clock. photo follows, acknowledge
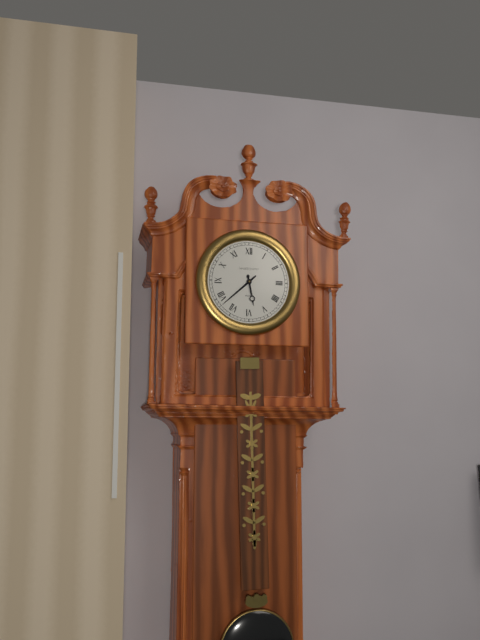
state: 5:38
